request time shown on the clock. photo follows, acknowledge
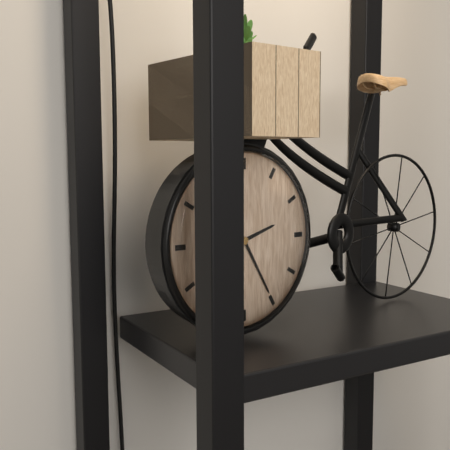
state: 2:25
